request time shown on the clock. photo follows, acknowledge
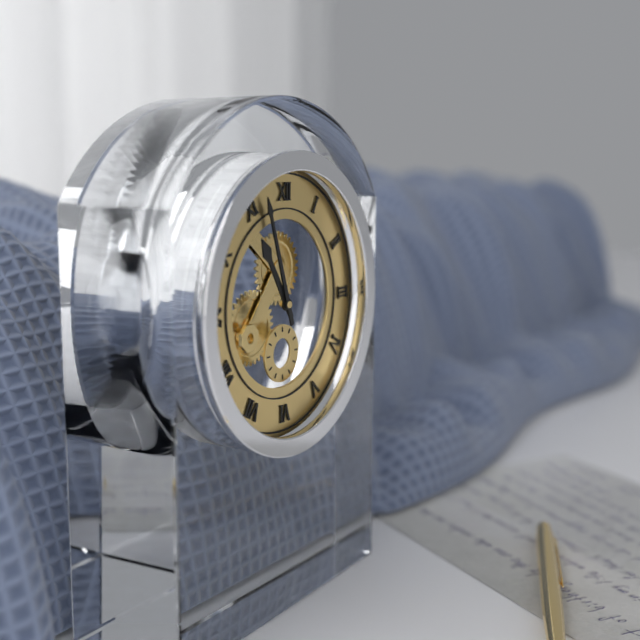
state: 10:57
